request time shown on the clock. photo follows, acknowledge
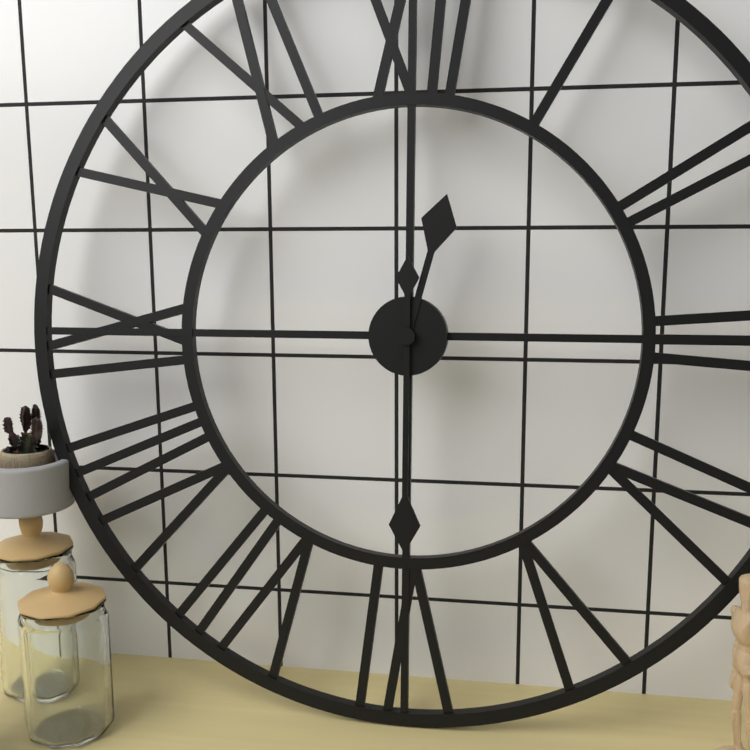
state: 12:30
